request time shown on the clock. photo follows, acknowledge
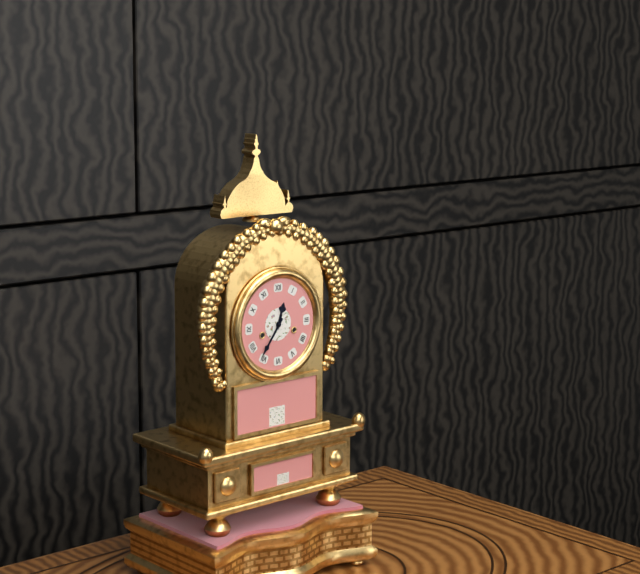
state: 12:36
